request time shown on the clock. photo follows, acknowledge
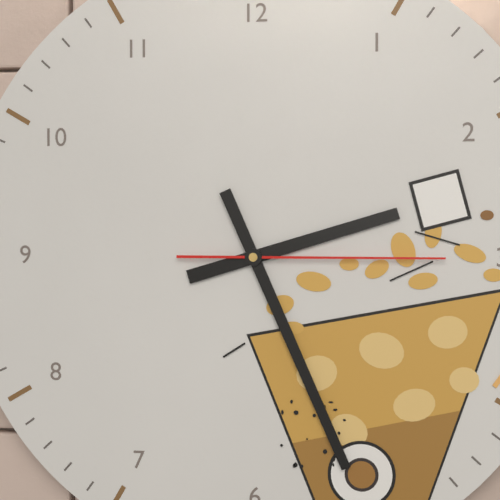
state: 2:26:15
